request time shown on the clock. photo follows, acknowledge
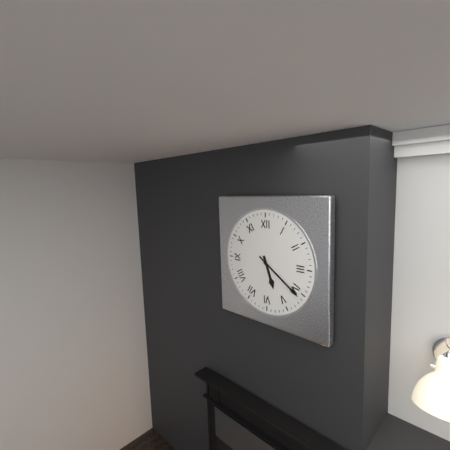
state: 5:21
